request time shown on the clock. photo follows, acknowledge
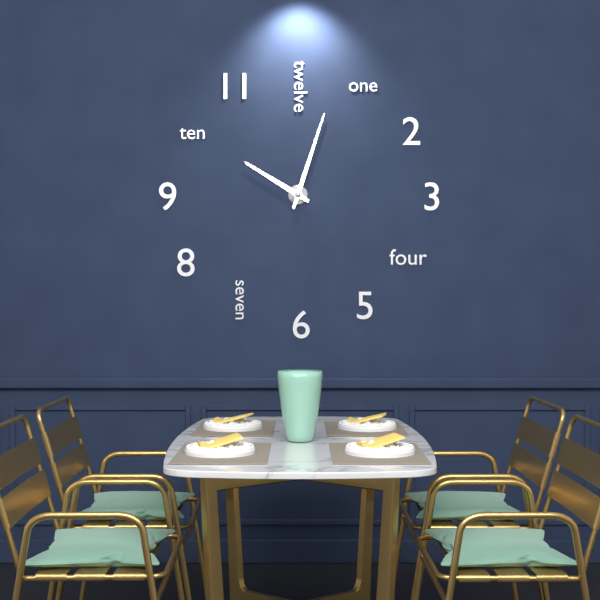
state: 10:03
